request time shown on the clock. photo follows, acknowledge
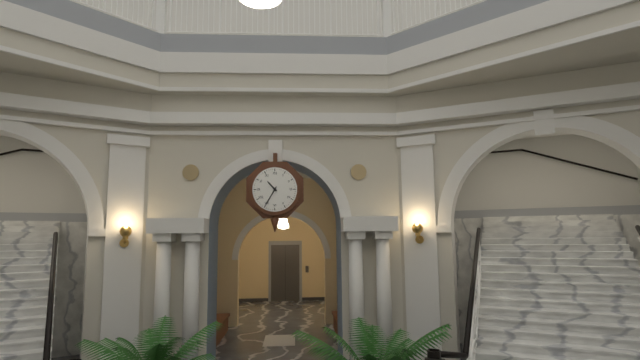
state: 10:35
